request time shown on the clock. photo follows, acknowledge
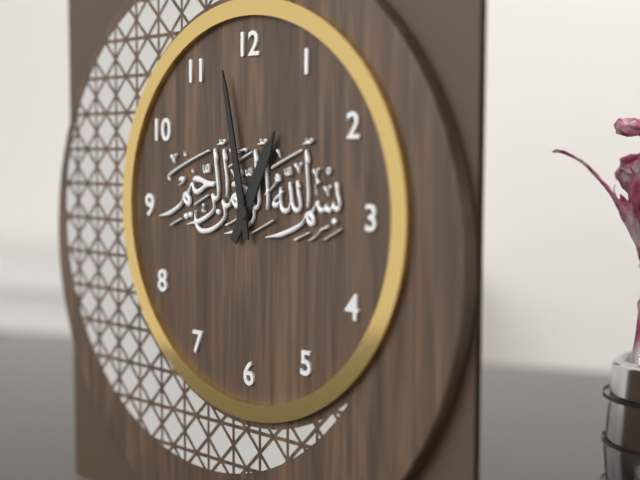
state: 12:58
